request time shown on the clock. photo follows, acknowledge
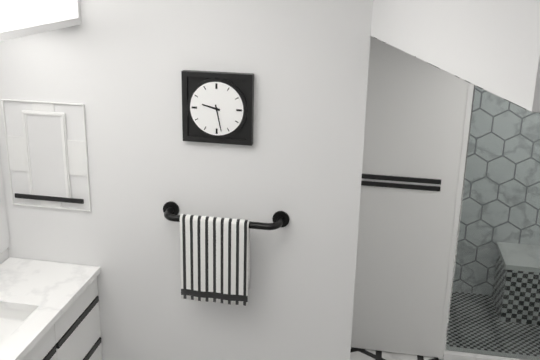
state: 9:28
